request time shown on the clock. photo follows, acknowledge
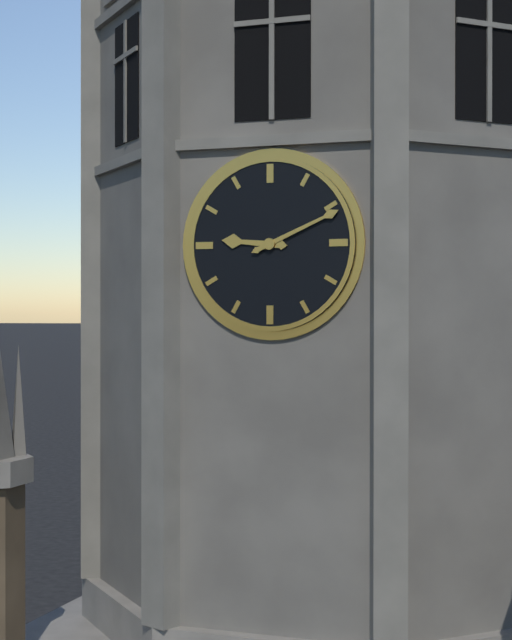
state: 9:11
